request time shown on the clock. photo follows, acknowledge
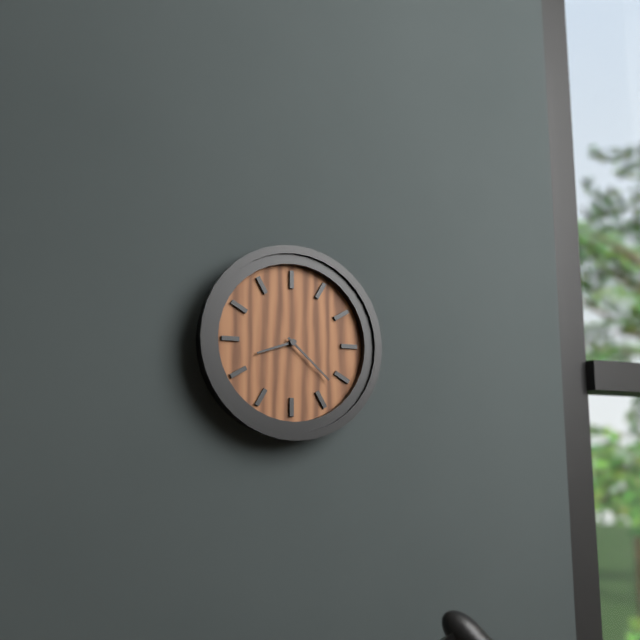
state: 8:22
